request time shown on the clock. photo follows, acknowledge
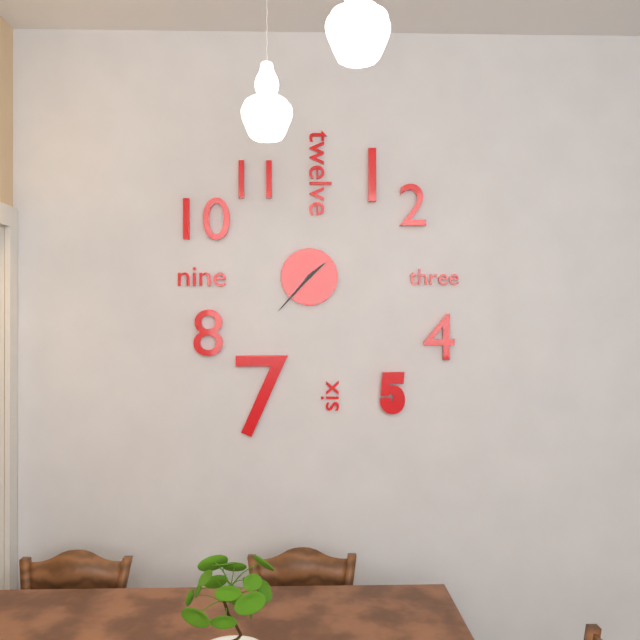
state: 1:37
